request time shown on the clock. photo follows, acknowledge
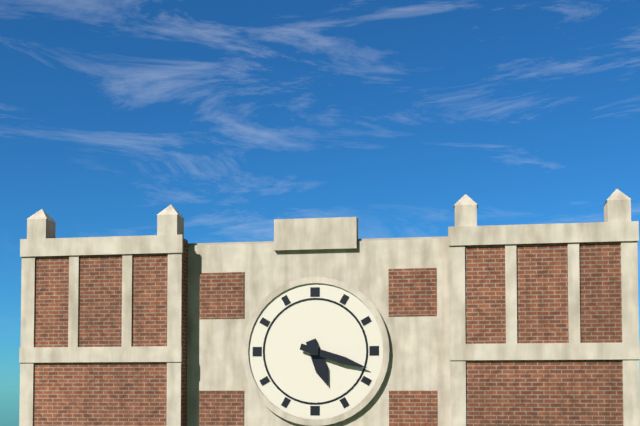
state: 5:18
